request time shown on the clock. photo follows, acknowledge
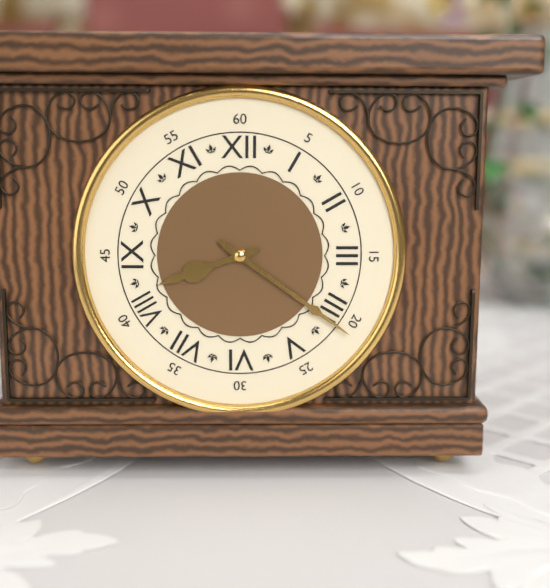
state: 8:21
